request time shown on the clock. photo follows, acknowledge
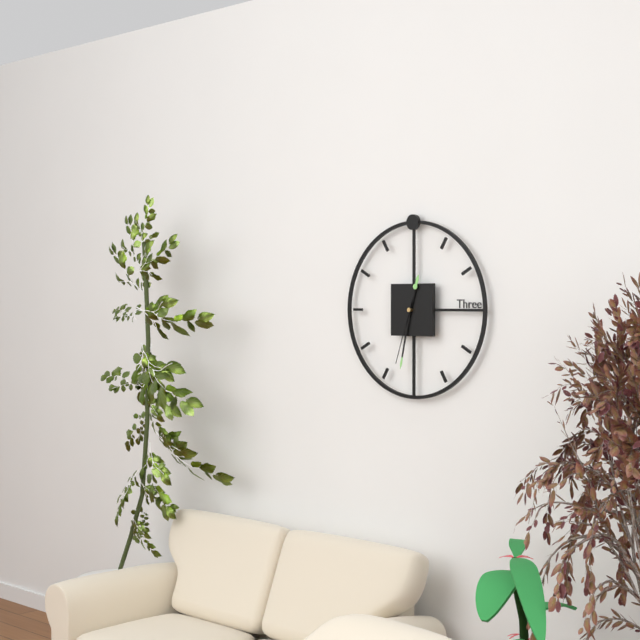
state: 12:32:33
